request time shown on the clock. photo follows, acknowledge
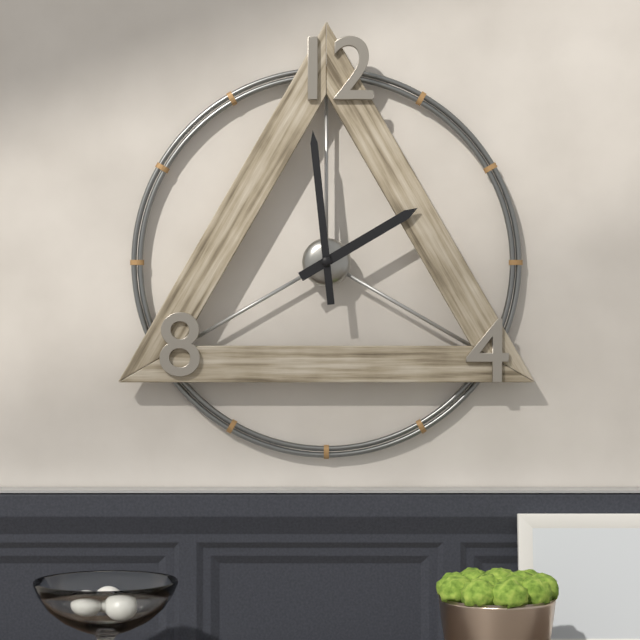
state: 1:59
